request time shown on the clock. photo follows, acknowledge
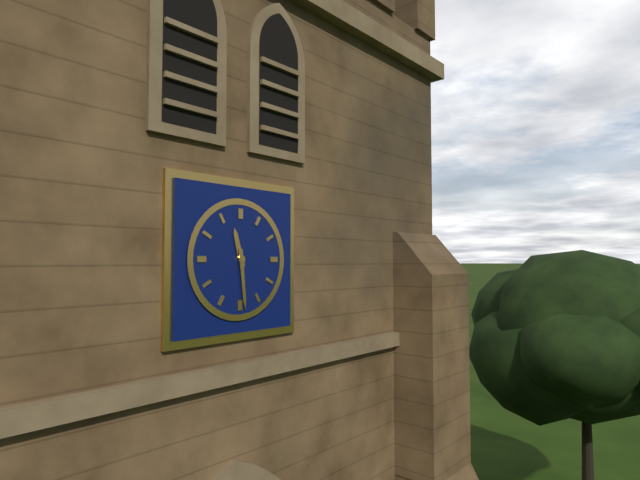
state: 11:29
